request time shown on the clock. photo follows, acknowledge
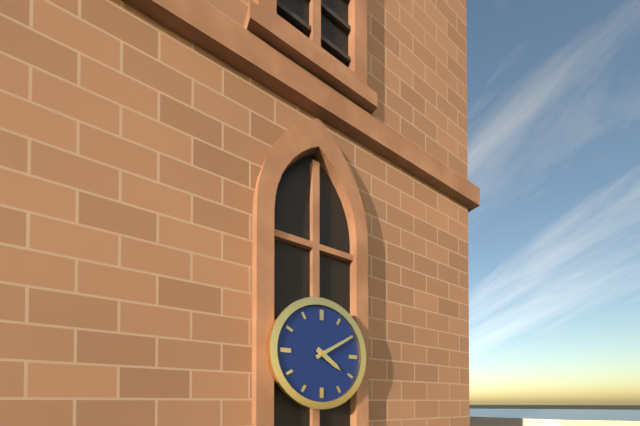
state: 4:10
